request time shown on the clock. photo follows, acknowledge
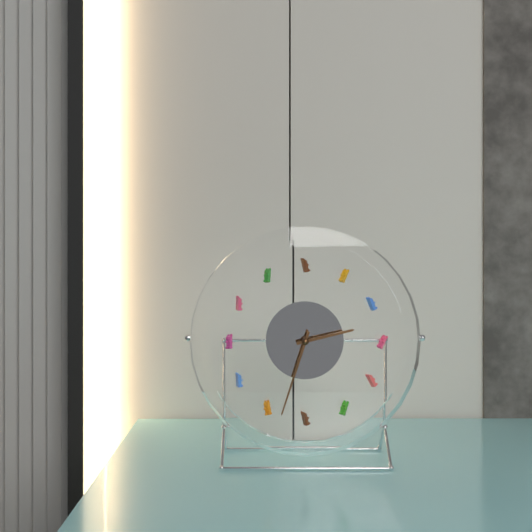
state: 2:33
